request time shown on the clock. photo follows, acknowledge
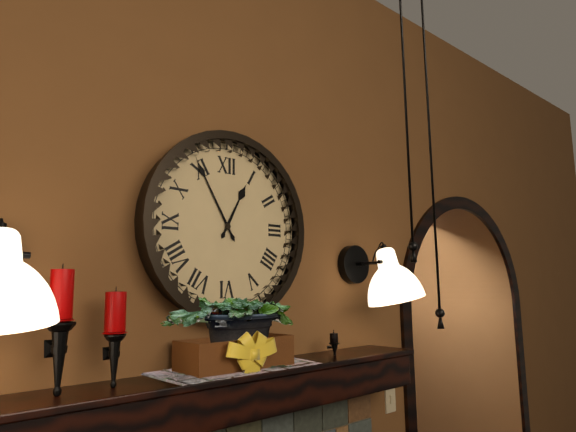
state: 12:55
